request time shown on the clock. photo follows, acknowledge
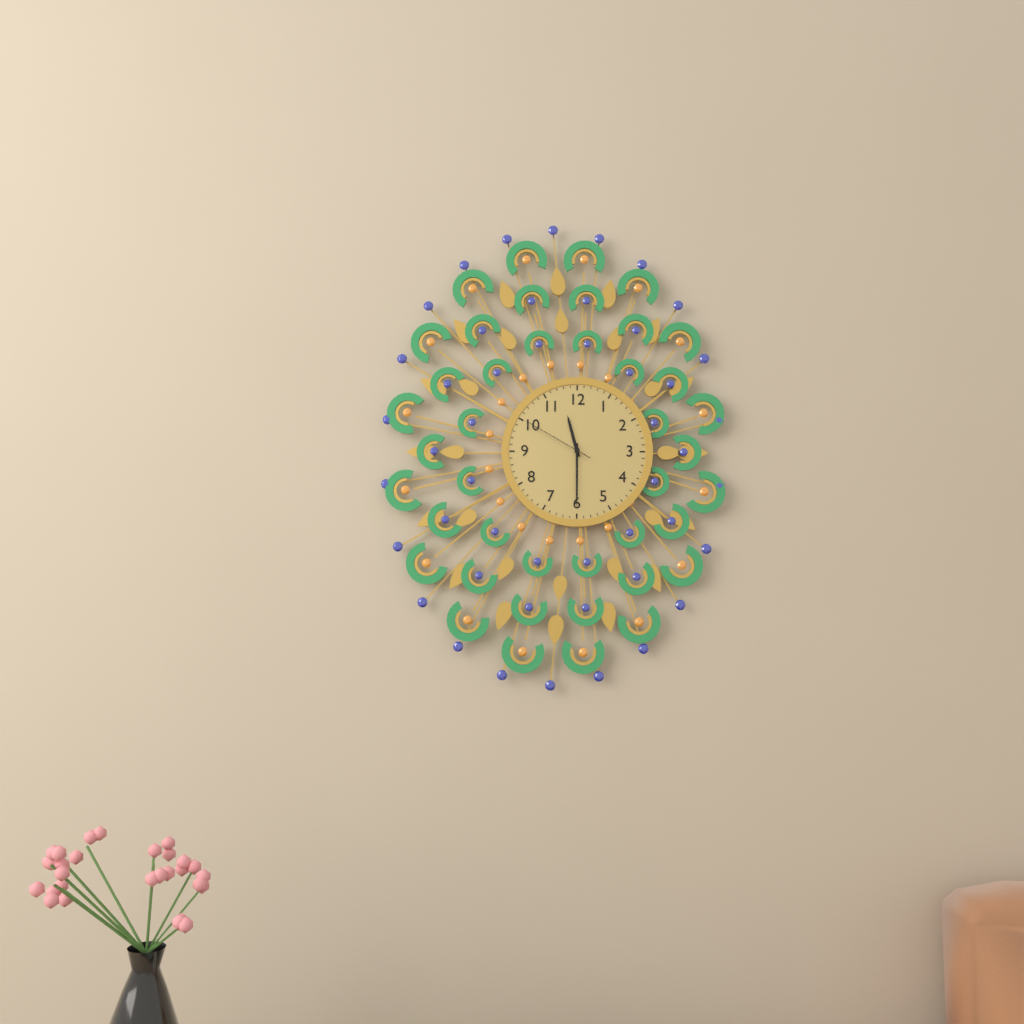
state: 11:30:50
